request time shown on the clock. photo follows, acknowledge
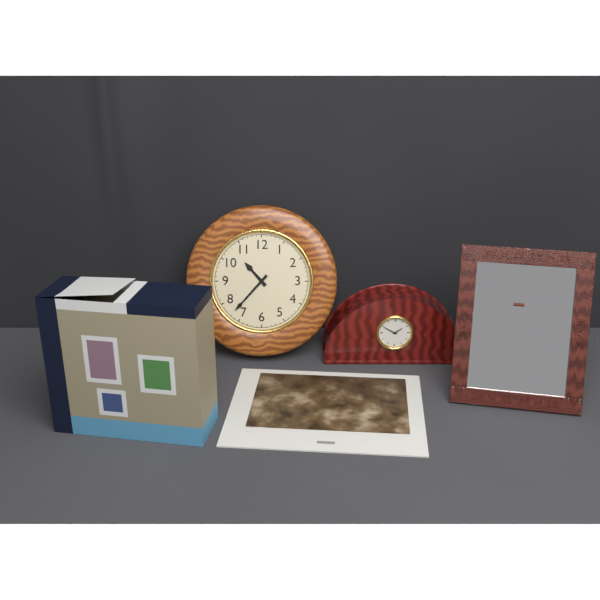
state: 10:37
